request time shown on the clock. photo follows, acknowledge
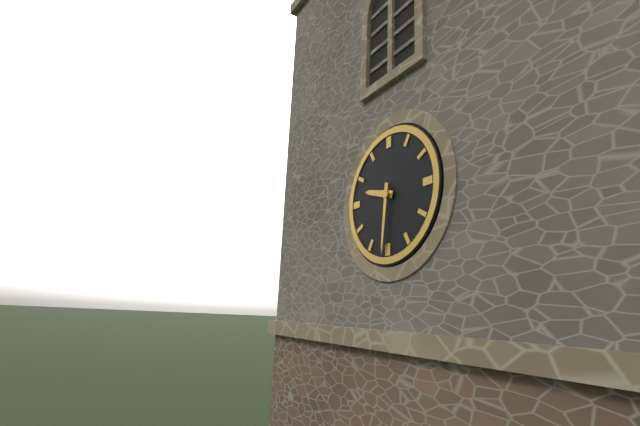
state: 9:31
